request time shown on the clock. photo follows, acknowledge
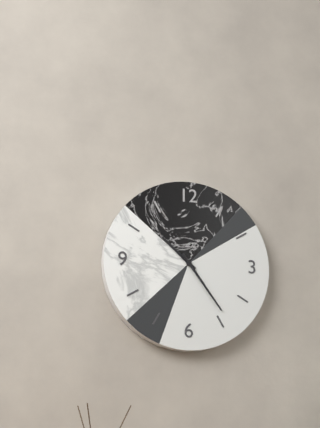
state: 10:24
